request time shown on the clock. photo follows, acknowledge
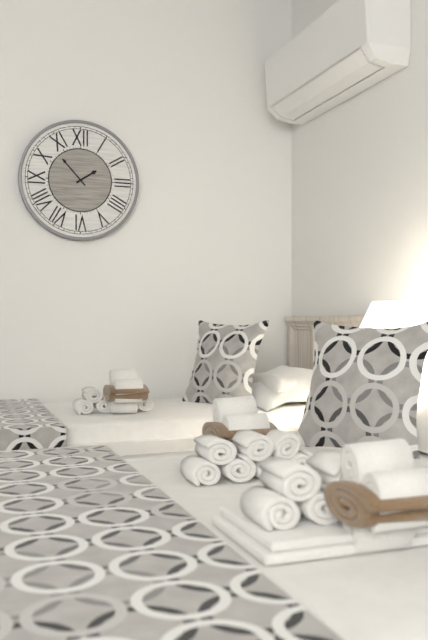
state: 1:53
